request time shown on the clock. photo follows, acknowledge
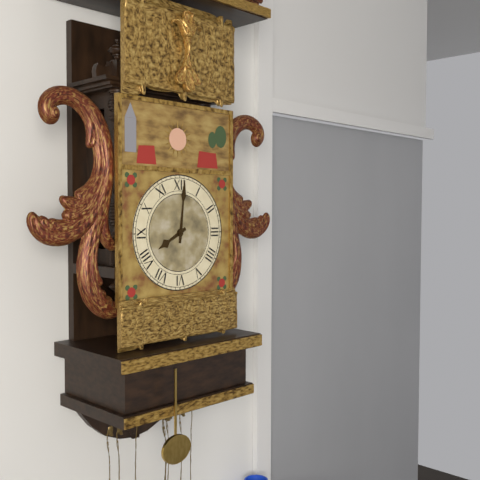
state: 8:01
